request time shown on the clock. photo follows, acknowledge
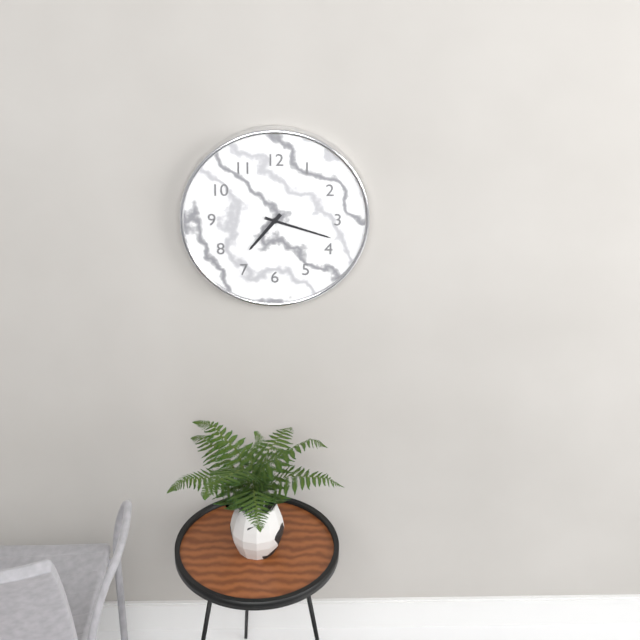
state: 7:18
